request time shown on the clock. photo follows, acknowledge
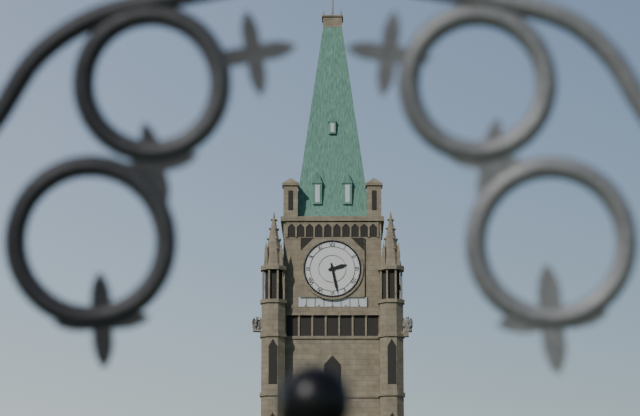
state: 2:28
